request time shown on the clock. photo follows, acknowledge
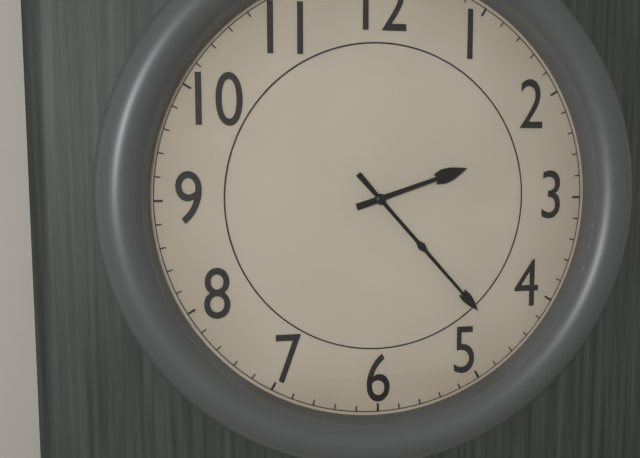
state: 2:23
